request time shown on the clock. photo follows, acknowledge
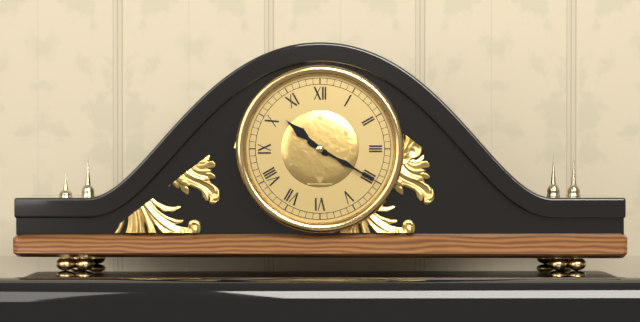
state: 10:20
